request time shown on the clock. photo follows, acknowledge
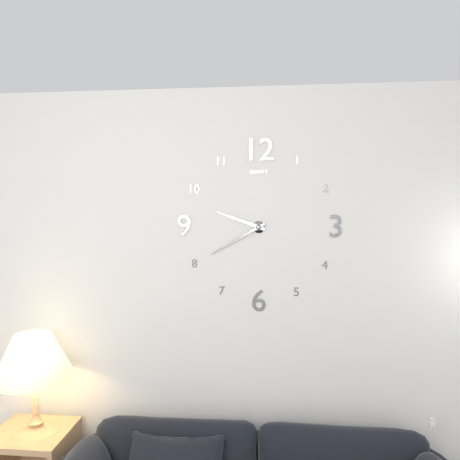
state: 9:40
